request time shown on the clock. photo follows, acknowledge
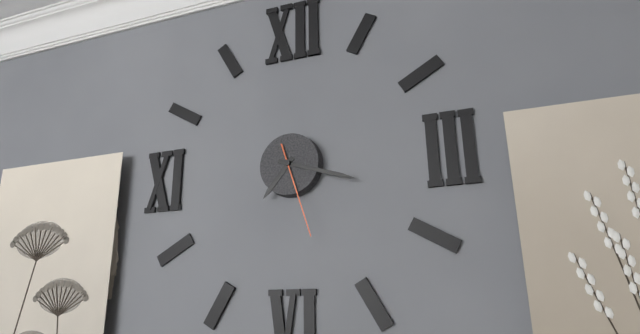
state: 7:18:27
